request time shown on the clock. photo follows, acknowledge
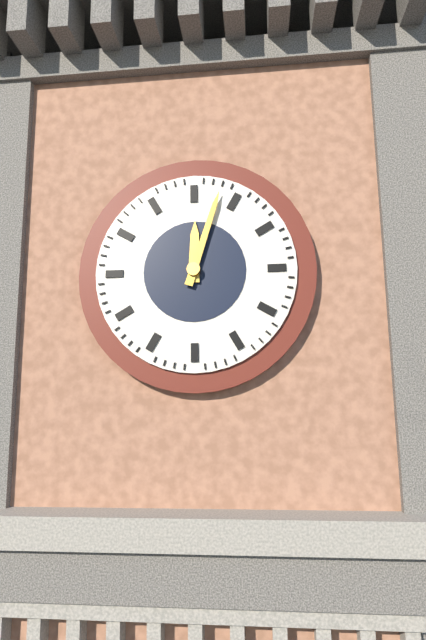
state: 12:03
